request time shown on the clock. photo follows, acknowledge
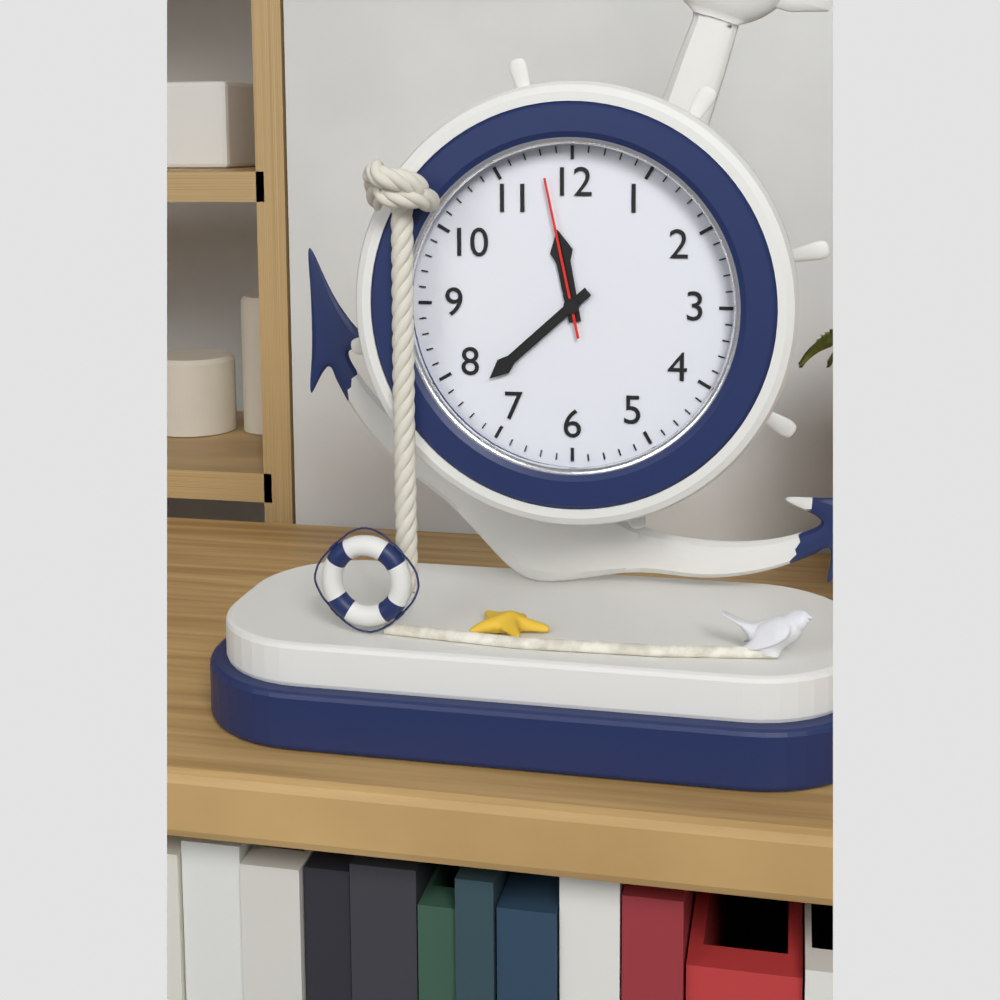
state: 11:38:58
